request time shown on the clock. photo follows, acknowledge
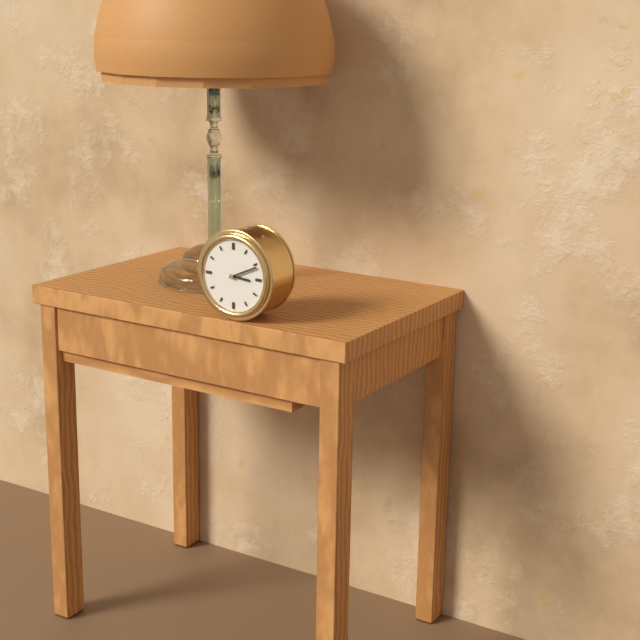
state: 3:11
